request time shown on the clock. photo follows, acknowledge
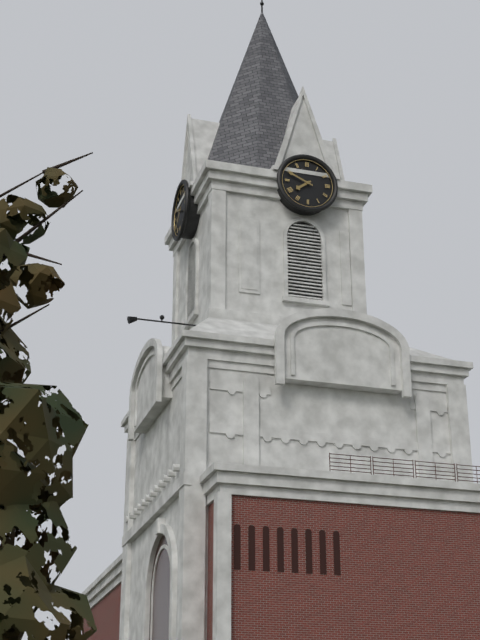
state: 7:49
